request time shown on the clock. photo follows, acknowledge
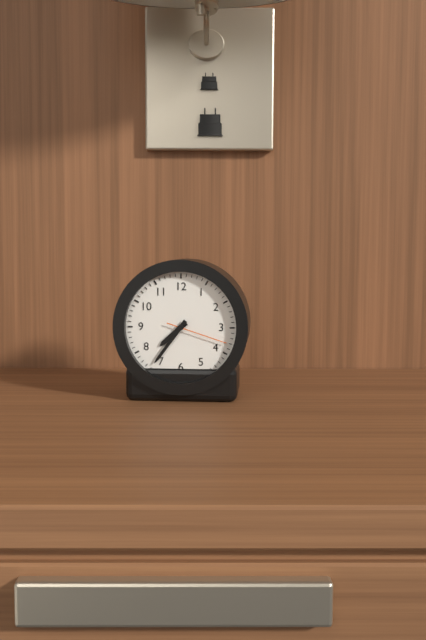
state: 7:36:18
